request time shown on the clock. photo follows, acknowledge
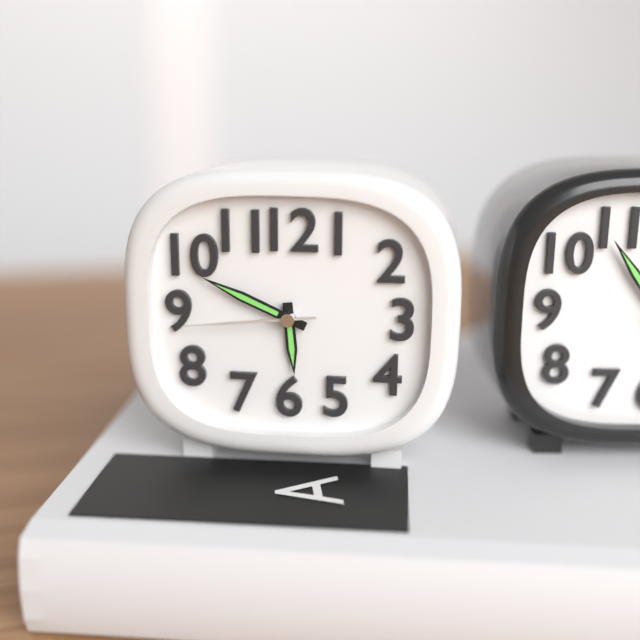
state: 5:49:44
